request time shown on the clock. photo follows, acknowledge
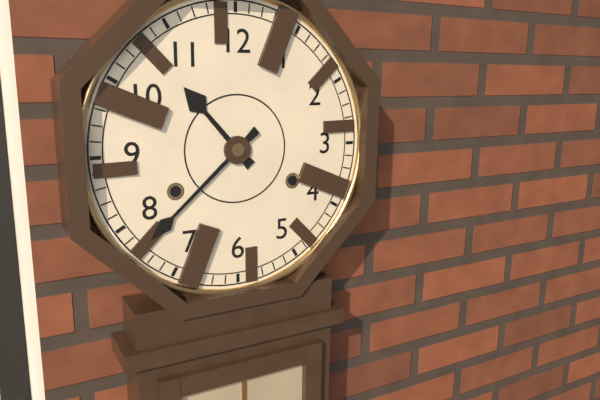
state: 10:38
